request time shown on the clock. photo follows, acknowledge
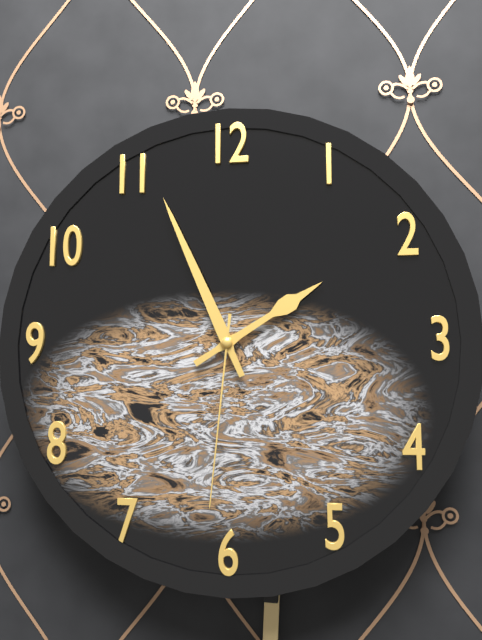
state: 1:56:31
